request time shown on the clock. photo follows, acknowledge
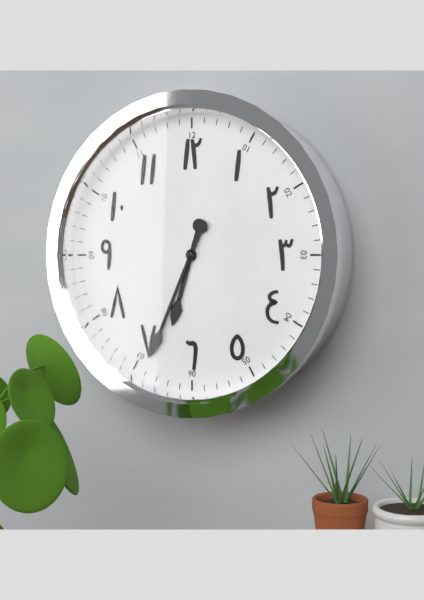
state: 6:34
